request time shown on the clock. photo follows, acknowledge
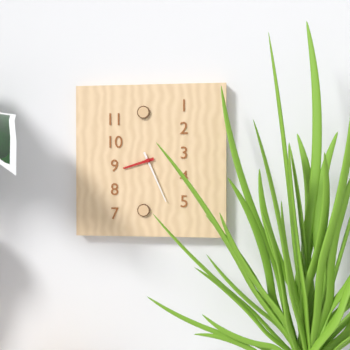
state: 8:26
